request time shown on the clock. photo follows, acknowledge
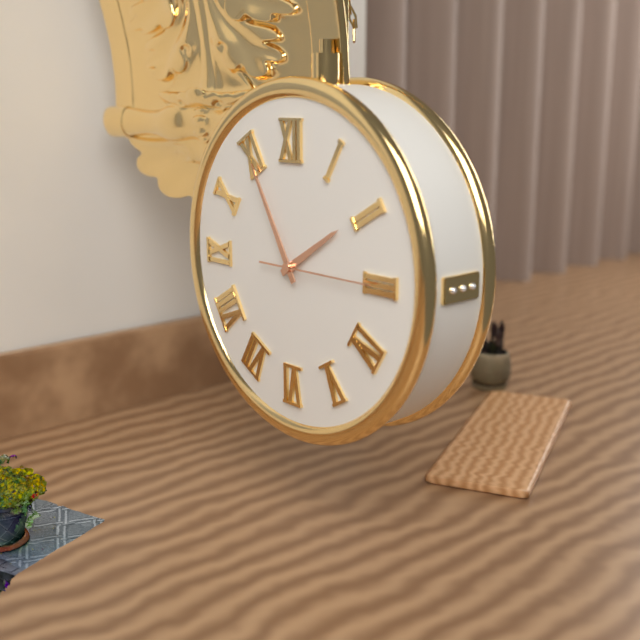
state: 1:55:15
